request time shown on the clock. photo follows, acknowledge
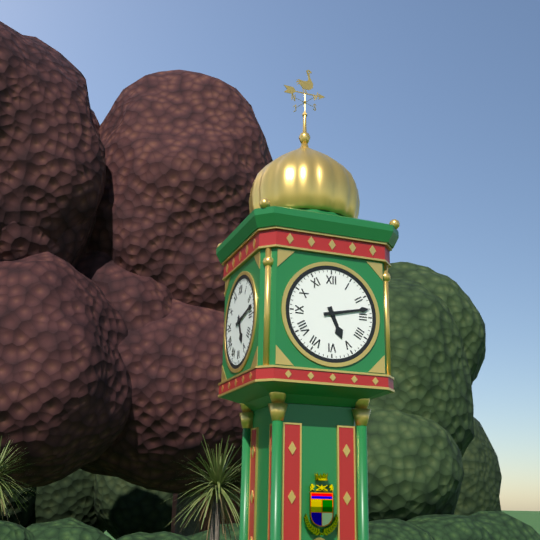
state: 5:13
